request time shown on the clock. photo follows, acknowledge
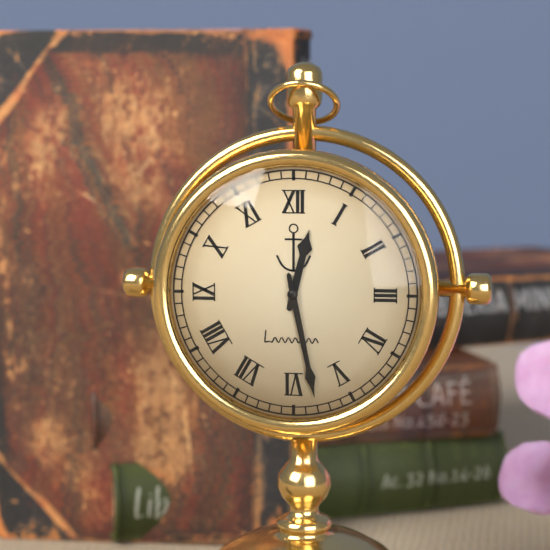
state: 12:28
